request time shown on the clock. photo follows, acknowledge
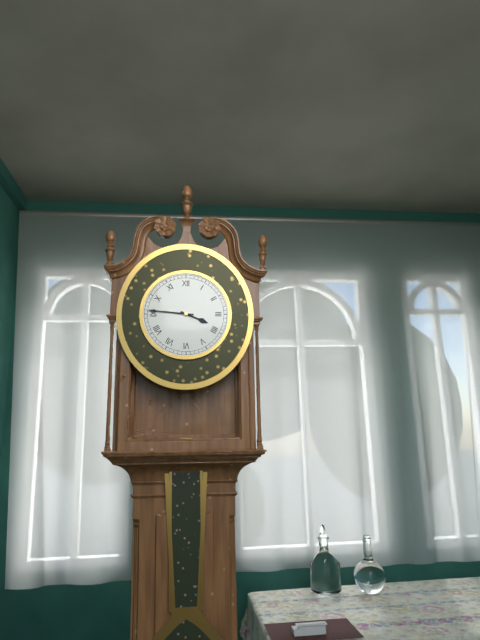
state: 3:46
